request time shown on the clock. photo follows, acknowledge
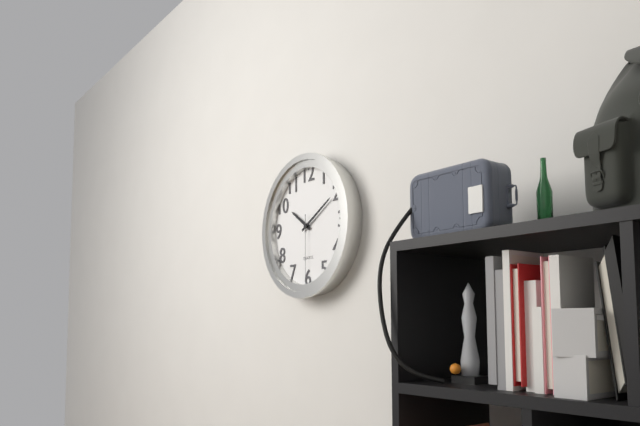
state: 10:10:30
